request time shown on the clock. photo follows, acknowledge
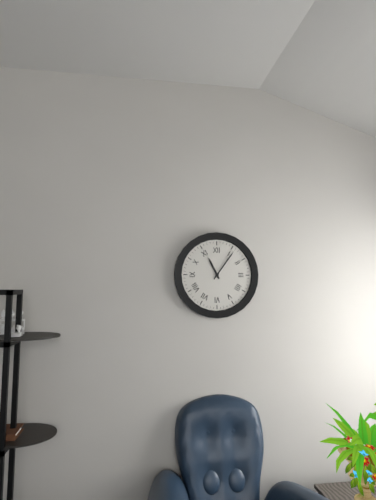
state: 11:06
